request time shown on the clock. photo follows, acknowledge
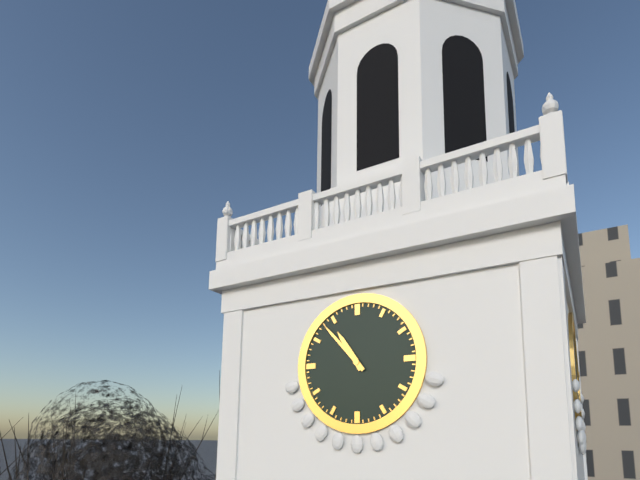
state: 10:53
